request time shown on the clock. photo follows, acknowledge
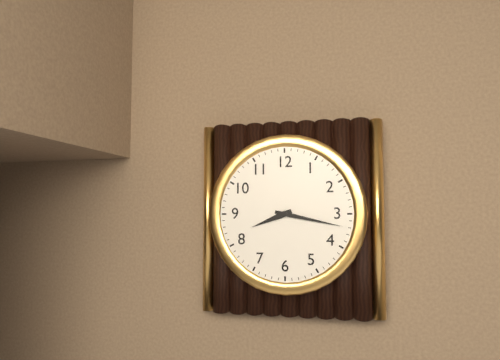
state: 8:17
